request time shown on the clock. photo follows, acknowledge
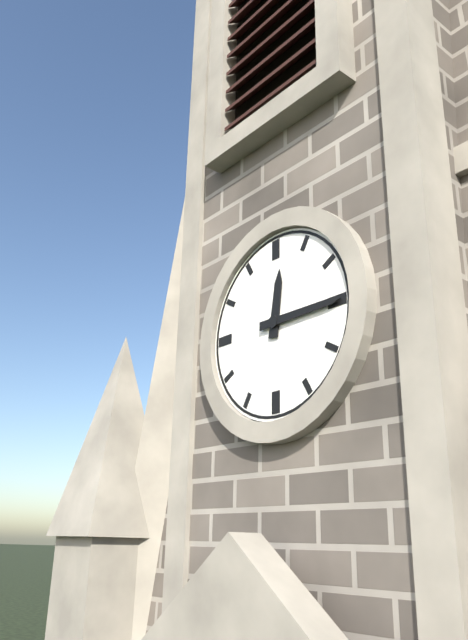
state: 12:15
